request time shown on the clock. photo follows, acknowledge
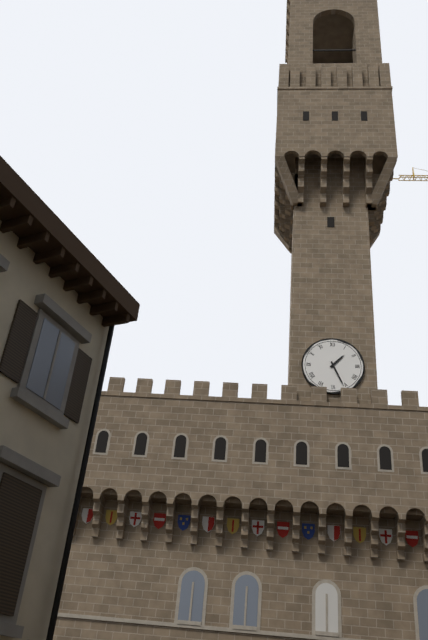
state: 1:26
